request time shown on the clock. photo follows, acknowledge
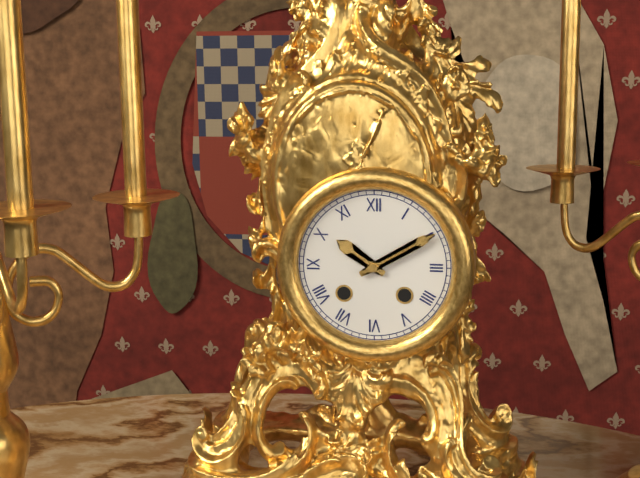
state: 10:10
